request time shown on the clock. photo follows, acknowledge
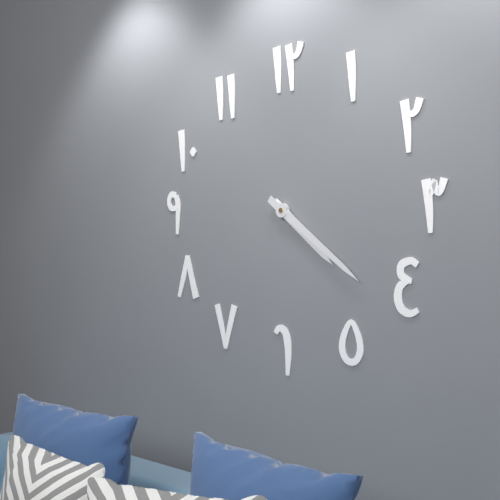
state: 4:21
